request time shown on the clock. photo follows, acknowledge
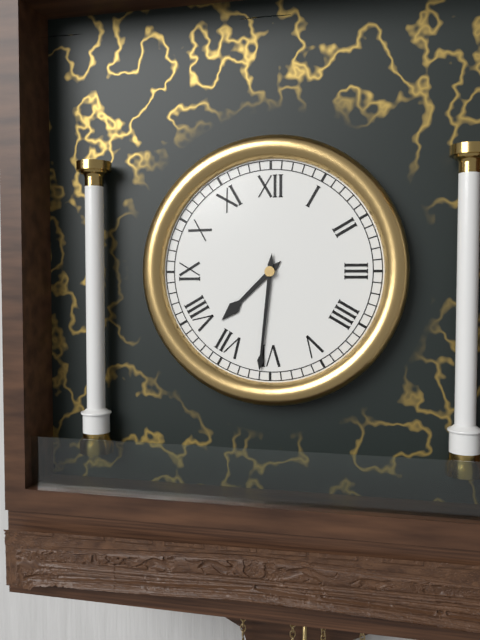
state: 7:31
